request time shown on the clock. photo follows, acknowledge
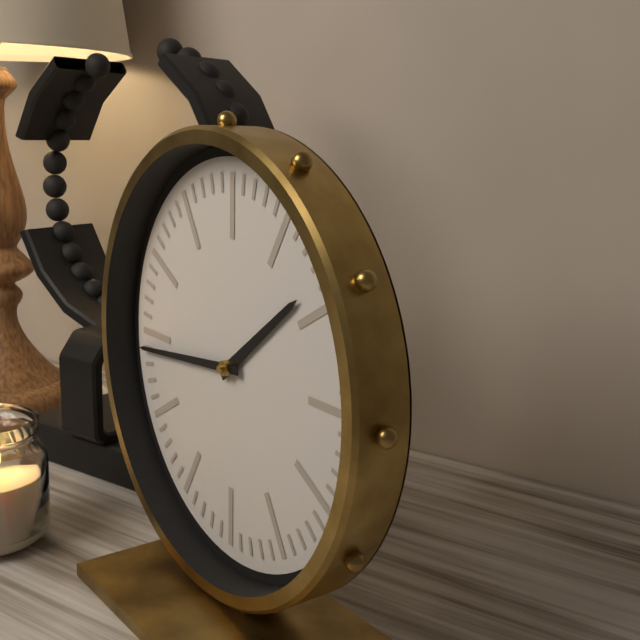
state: 1:44
